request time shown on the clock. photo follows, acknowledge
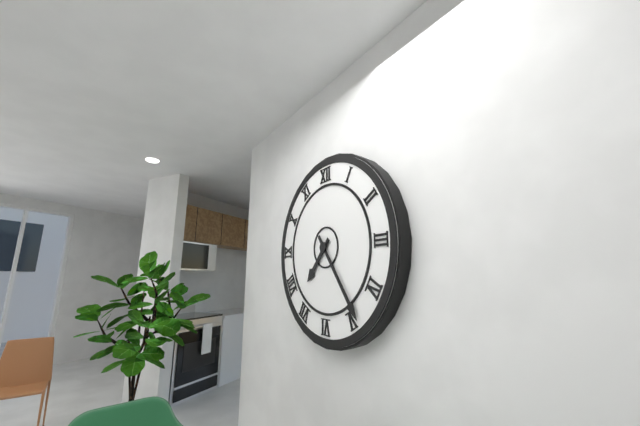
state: 7:24
